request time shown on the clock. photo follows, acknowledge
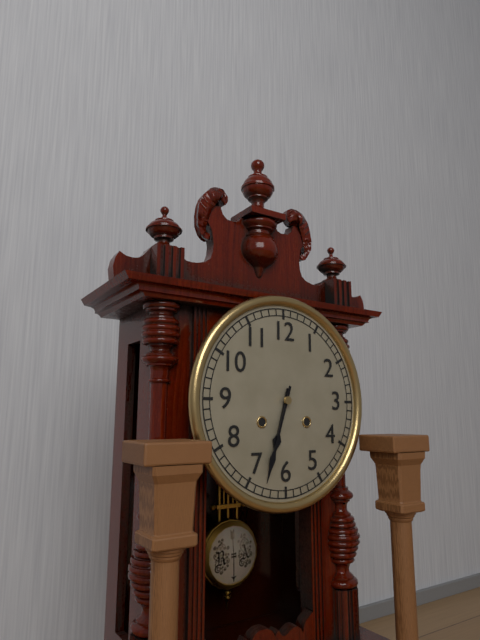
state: 6:33
